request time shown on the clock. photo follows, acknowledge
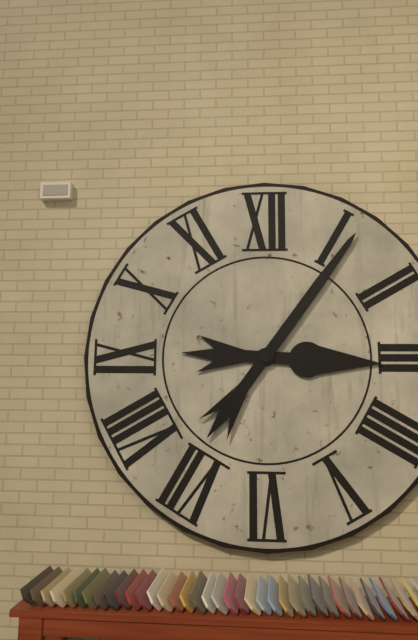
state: 3:06
